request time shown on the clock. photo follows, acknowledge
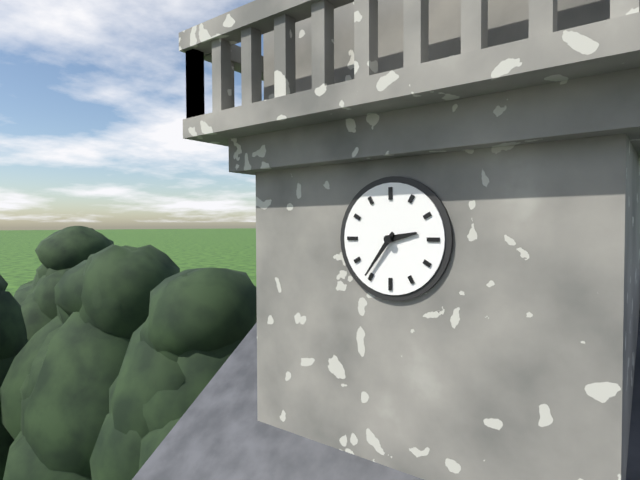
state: 2:36
